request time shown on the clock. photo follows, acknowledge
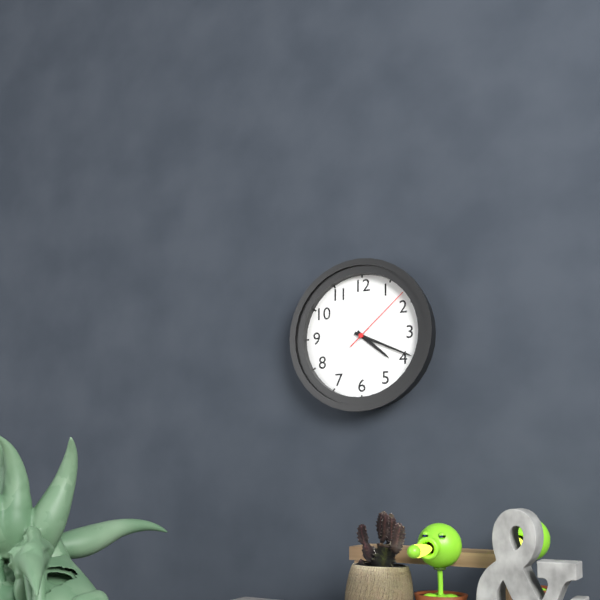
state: 4:19:08
